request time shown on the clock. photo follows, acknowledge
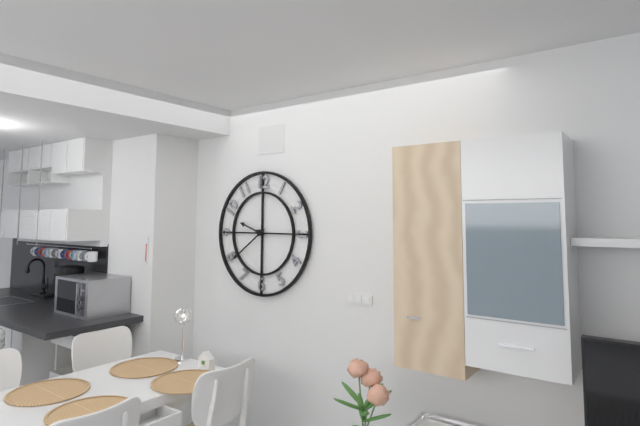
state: 9:39
